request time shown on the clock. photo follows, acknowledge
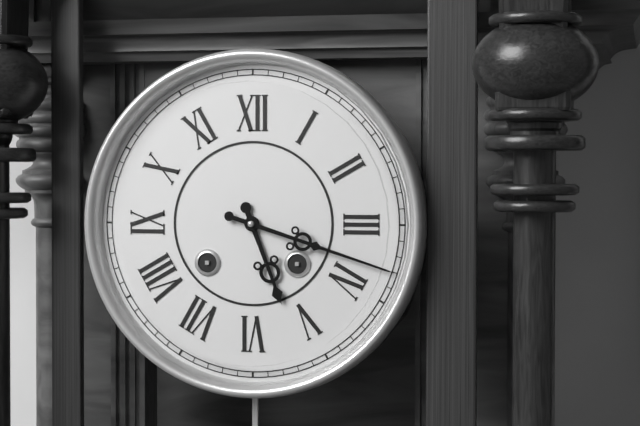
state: 5:18
